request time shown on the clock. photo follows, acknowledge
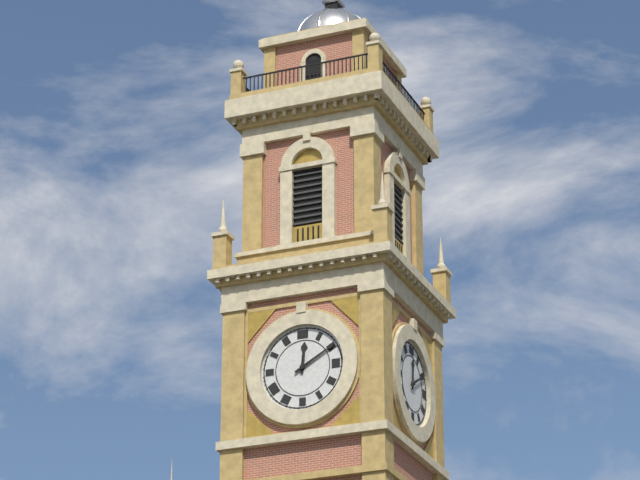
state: 12:10
